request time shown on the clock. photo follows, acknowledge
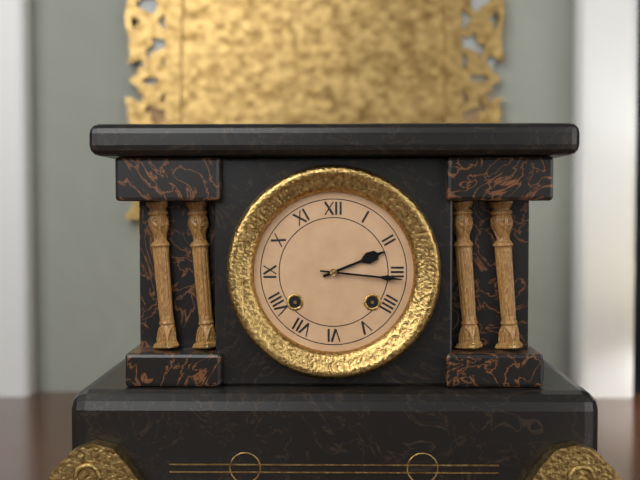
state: 2:16
